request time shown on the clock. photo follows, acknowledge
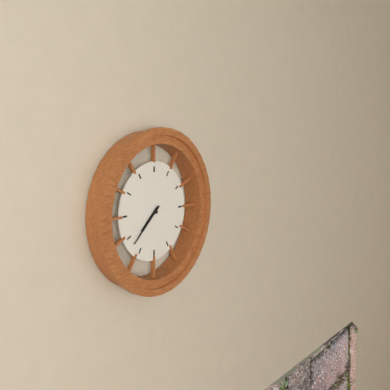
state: 7:38
